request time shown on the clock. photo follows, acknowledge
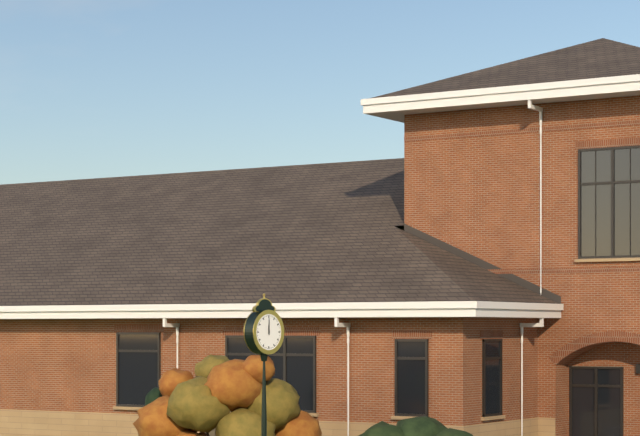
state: 12:00
